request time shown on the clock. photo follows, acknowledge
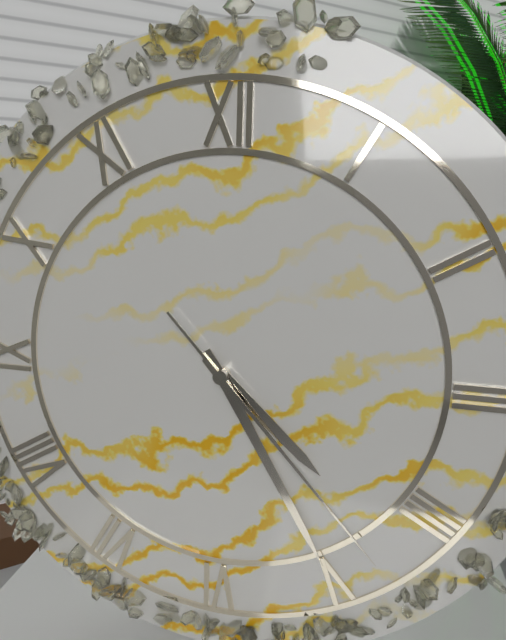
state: 4:25:23
